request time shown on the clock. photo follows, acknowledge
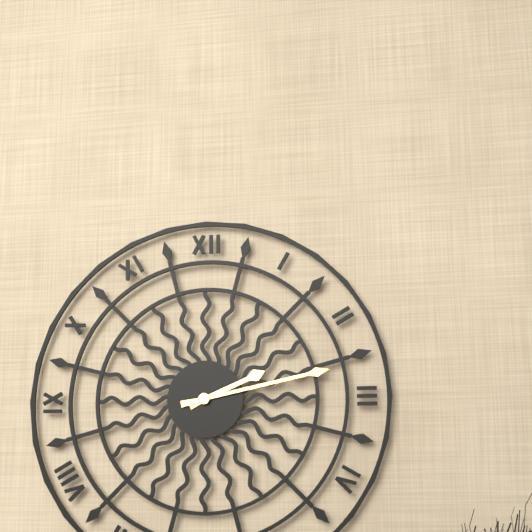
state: 2:13
